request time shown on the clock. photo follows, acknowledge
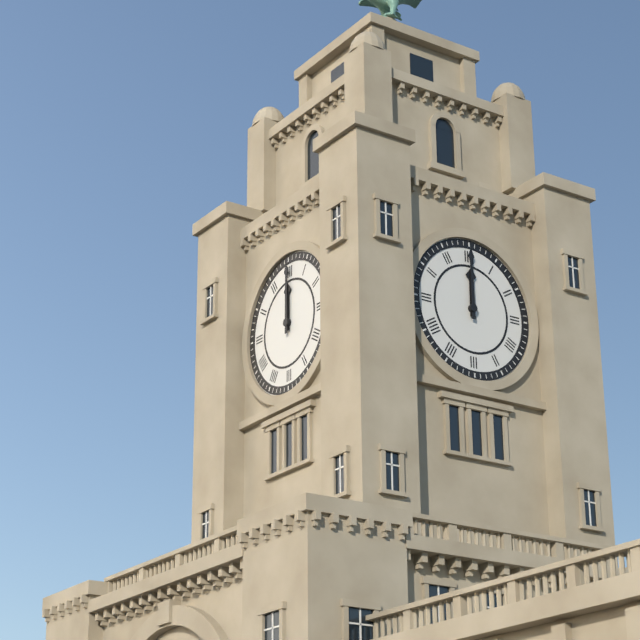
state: 12:00
